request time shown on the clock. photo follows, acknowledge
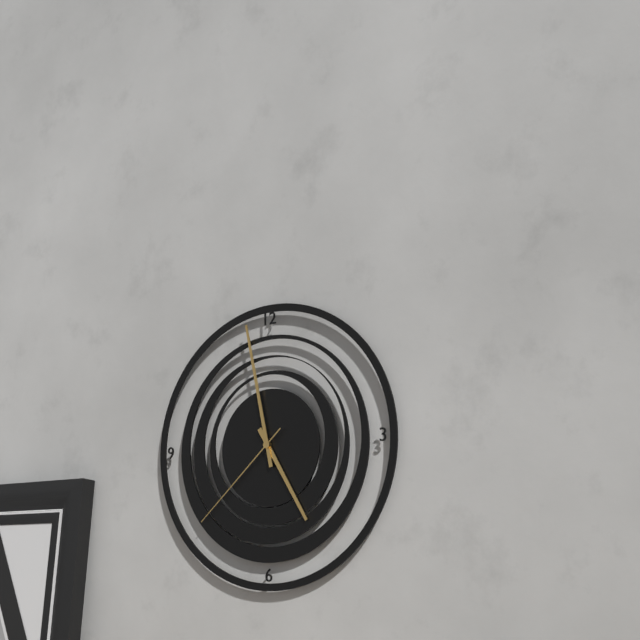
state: 4:58:38
